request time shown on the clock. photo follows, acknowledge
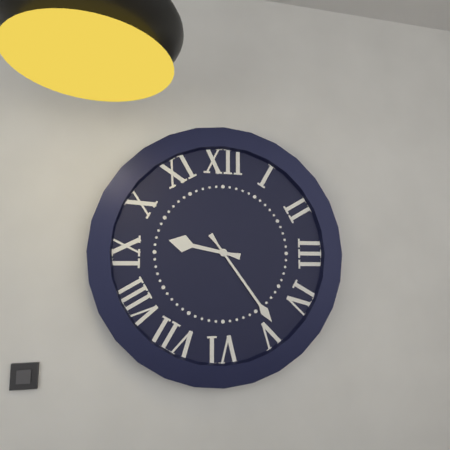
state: 9:24
